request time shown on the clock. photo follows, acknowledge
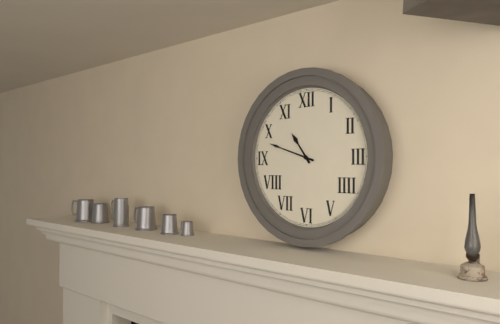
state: 10:48
